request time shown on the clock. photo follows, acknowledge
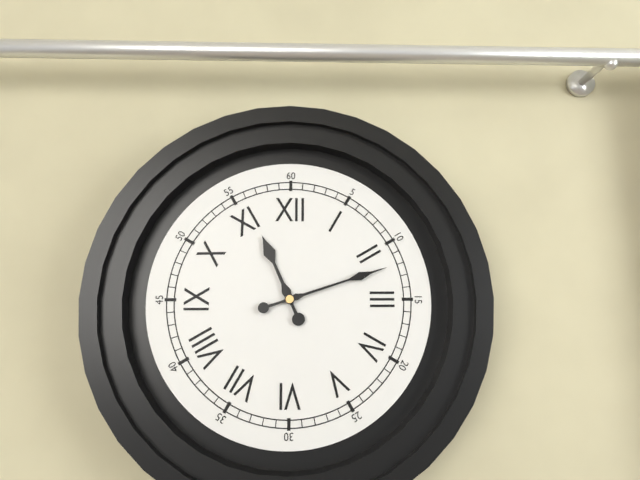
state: 11:12
